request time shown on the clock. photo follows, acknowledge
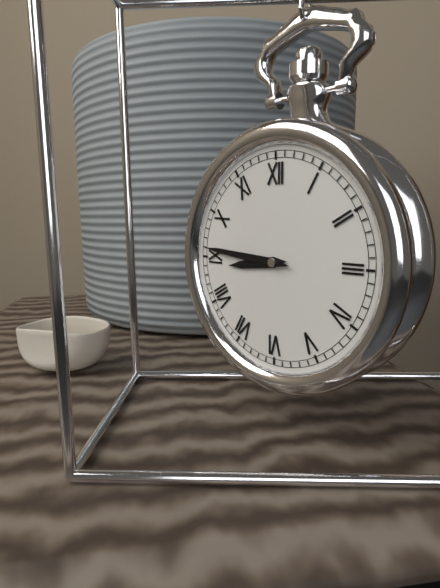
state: 8:46
